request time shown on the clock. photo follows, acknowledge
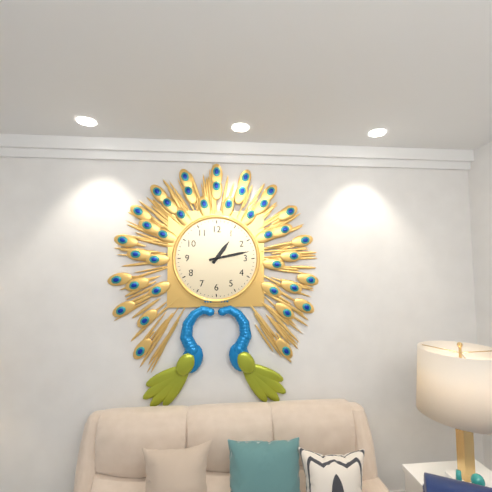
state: 1:13
